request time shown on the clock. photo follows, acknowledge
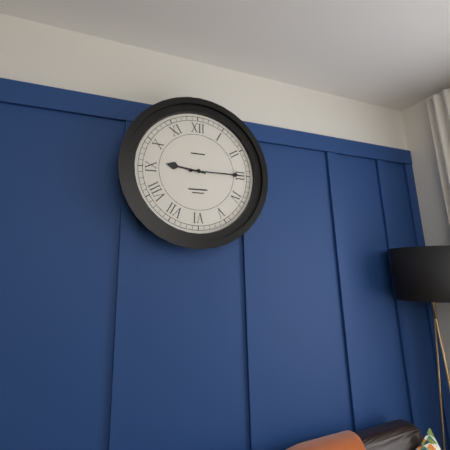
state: 9:15
